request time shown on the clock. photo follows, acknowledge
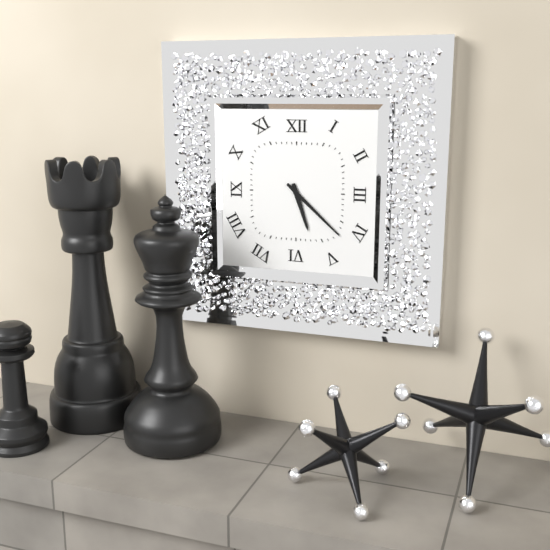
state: 5:22
